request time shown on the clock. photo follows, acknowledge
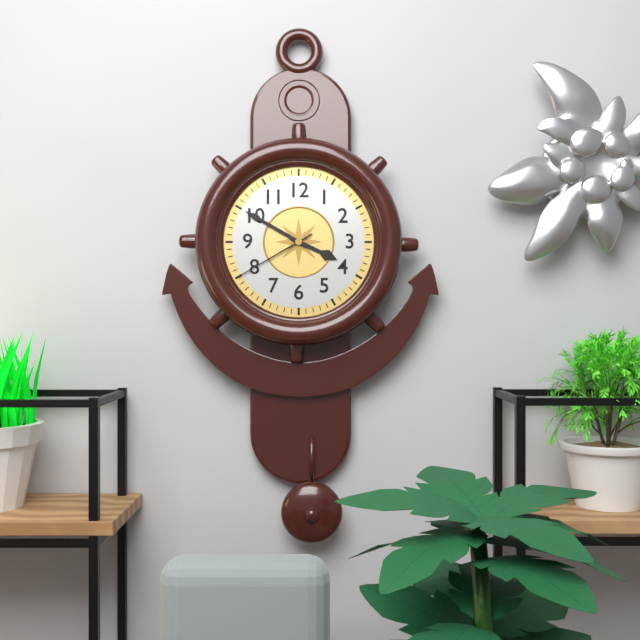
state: 3:50:40
